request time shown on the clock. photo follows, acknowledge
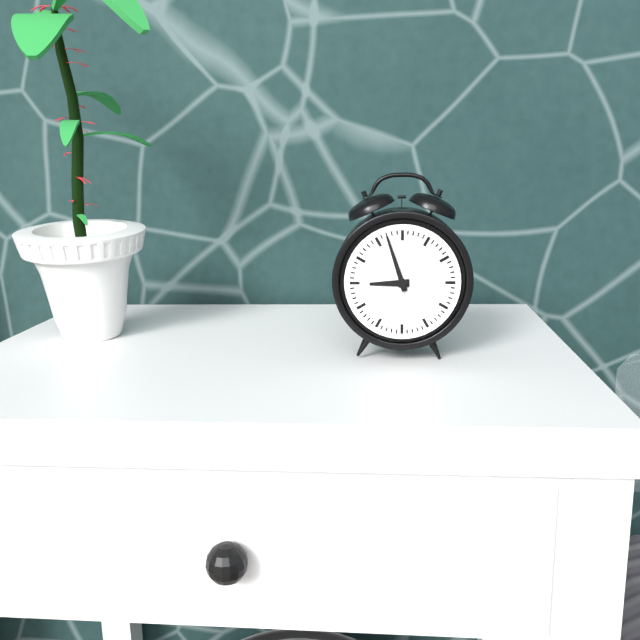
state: 8:57
